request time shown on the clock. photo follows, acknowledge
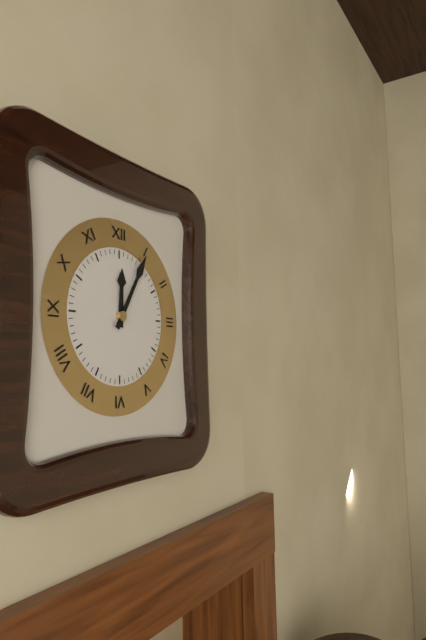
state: 12:05
